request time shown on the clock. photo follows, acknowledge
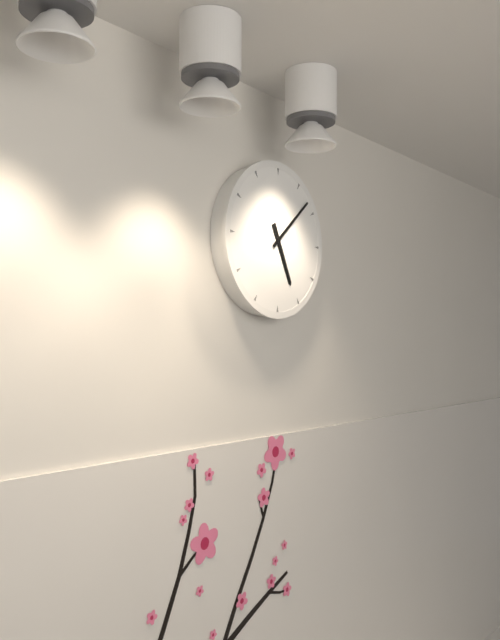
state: 5:08
